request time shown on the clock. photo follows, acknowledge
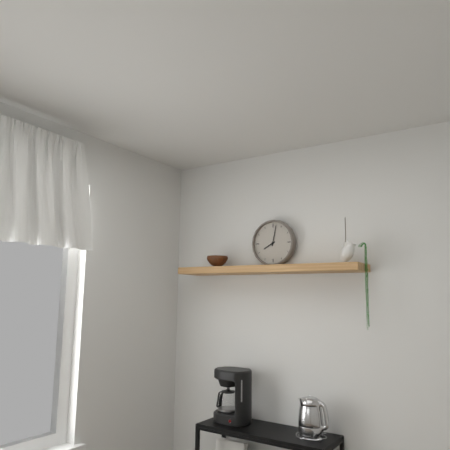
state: 8:02
